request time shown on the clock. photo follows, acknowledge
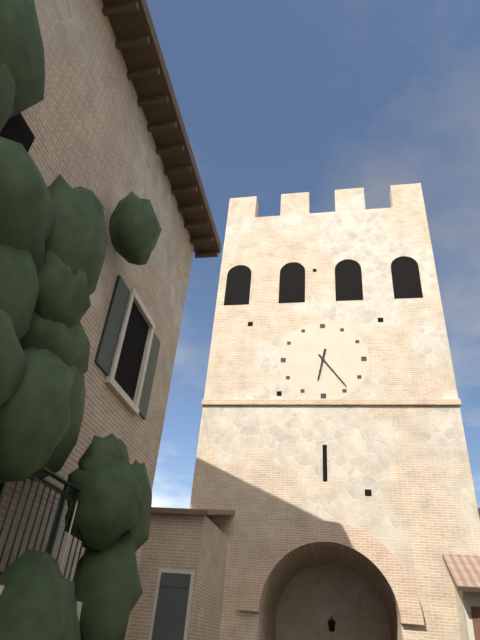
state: 6:24
